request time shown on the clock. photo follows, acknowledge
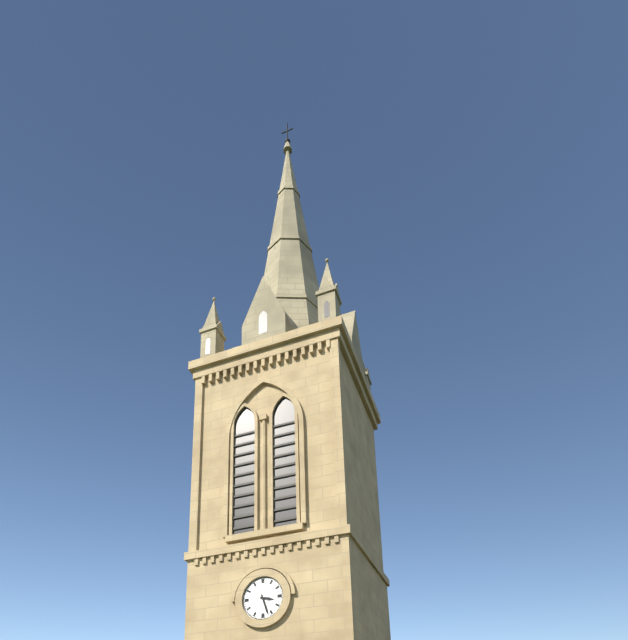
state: 3:27
